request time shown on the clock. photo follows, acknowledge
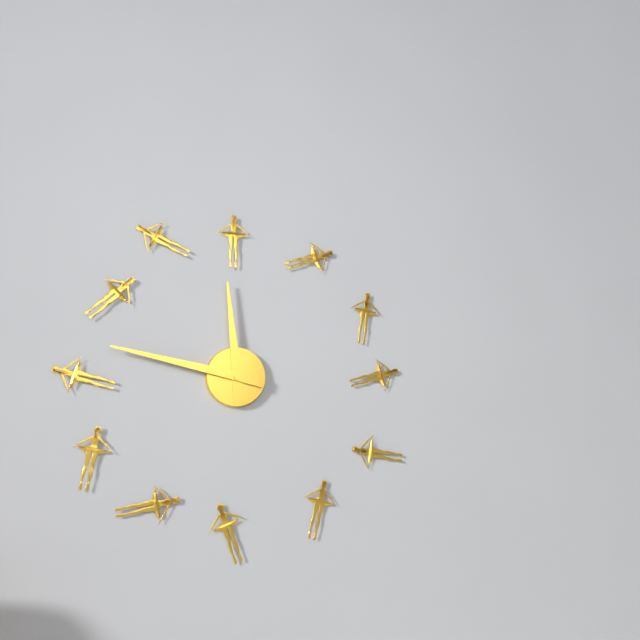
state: 11:47
